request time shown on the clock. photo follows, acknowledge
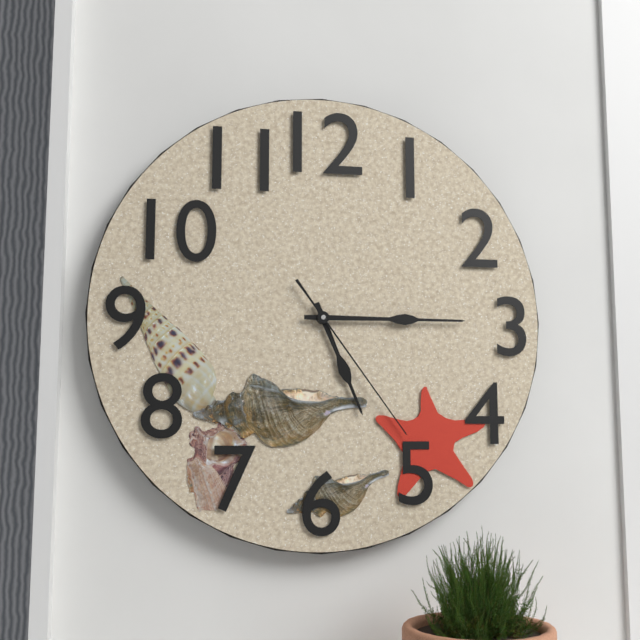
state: 5:15:24
